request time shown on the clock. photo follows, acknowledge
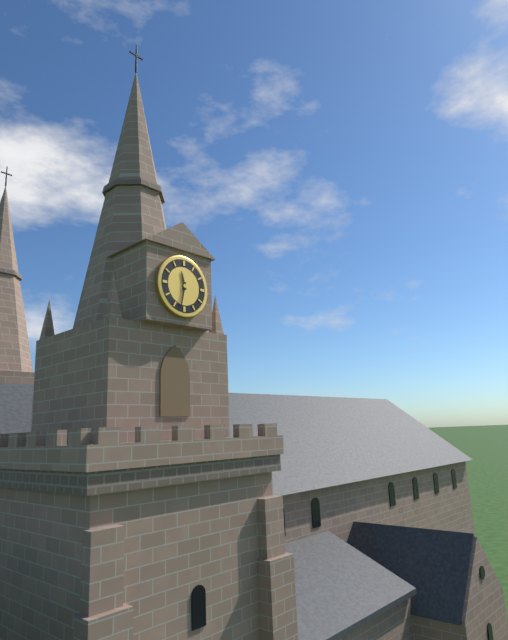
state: 11:32
